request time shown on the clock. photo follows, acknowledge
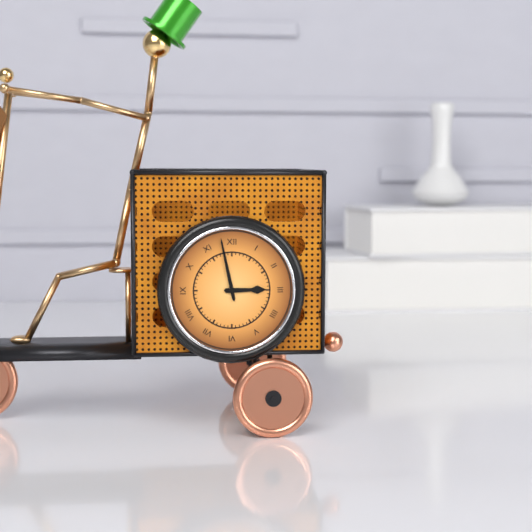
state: 2:58
